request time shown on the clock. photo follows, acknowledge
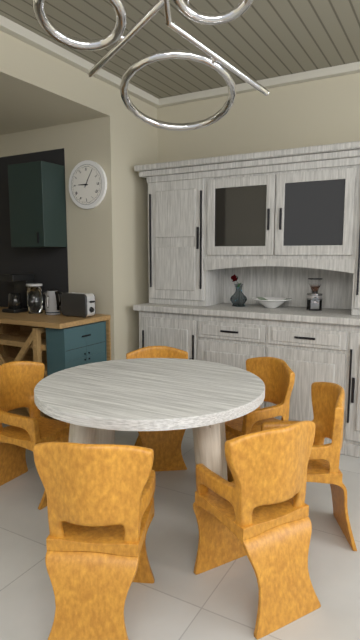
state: 9:05
